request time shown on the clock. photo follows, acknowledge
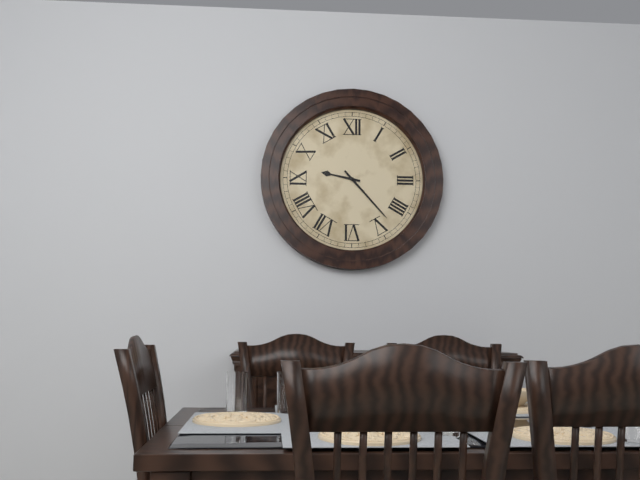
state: 9:23
